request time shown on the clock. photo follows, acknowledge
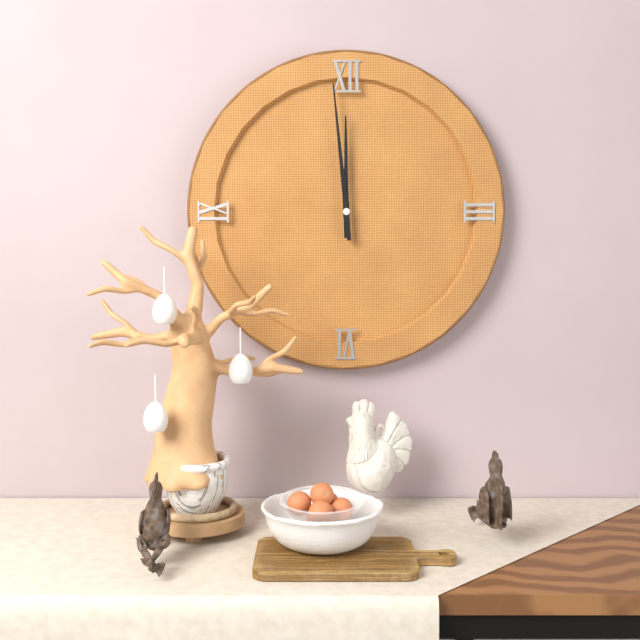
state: 11:59
